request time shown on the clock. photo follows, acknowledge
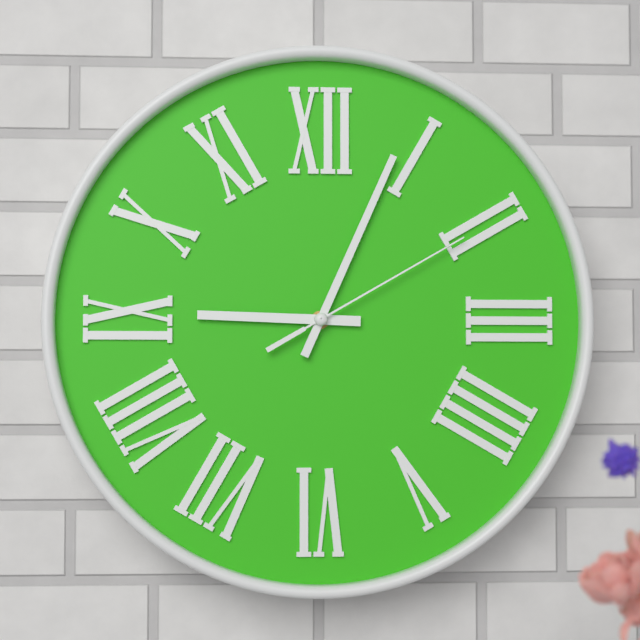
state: 9:04:10
